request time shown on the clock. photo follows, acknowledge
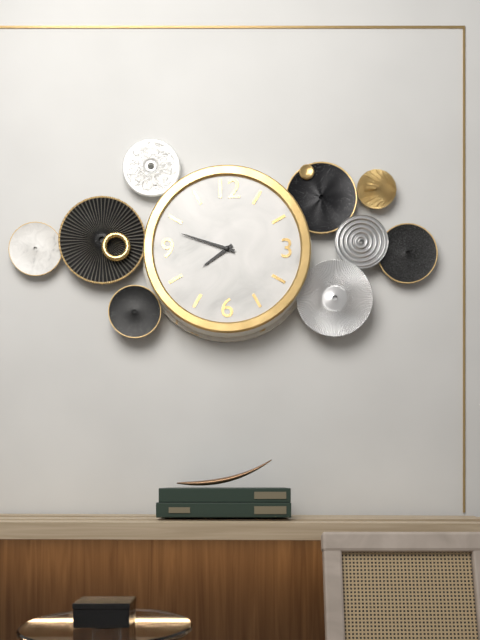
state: 7:48
